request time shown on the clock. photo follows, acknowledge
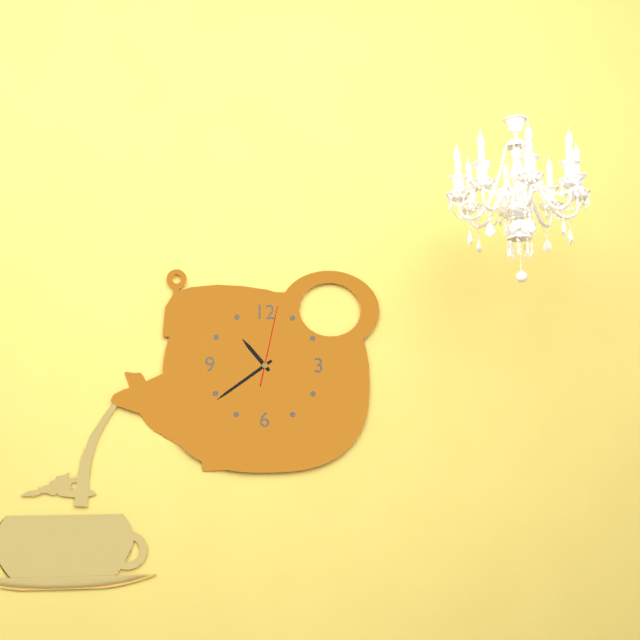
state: 10:39:02
